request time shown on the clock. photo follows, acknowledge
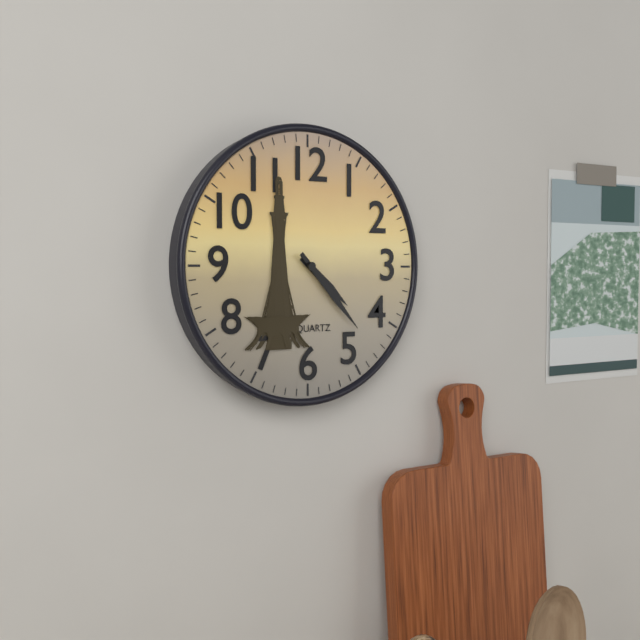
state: 4:23
